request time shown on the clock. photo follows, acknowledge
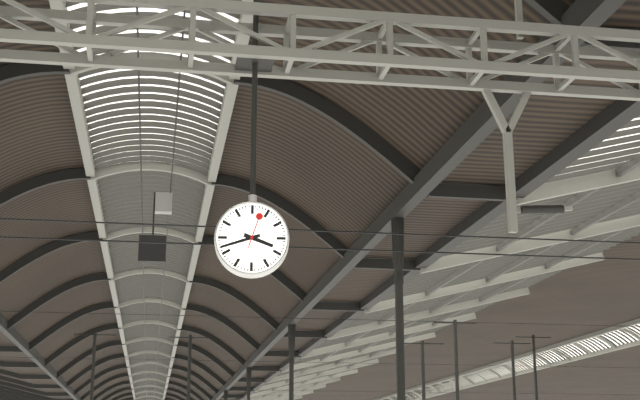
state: 3:42
